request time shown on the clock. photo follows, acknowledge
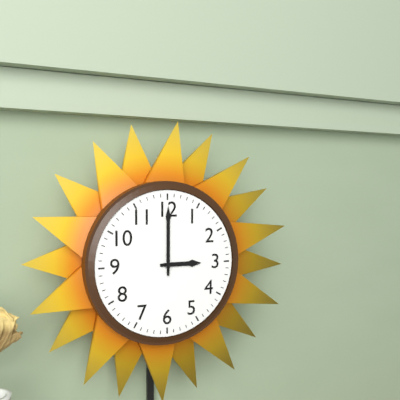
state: 3:00
